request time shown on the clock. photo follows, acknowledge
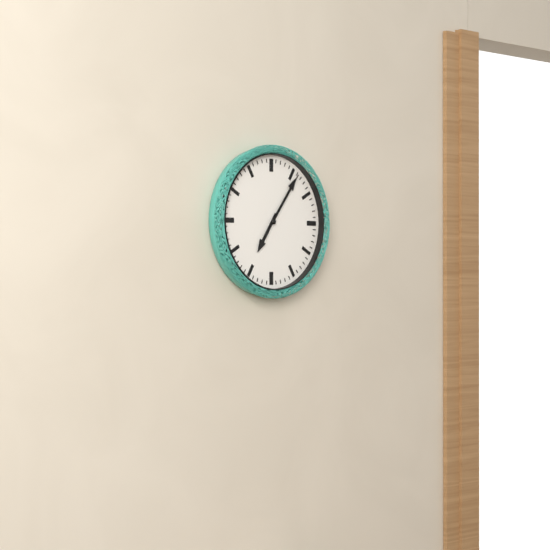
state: 7:06:06
